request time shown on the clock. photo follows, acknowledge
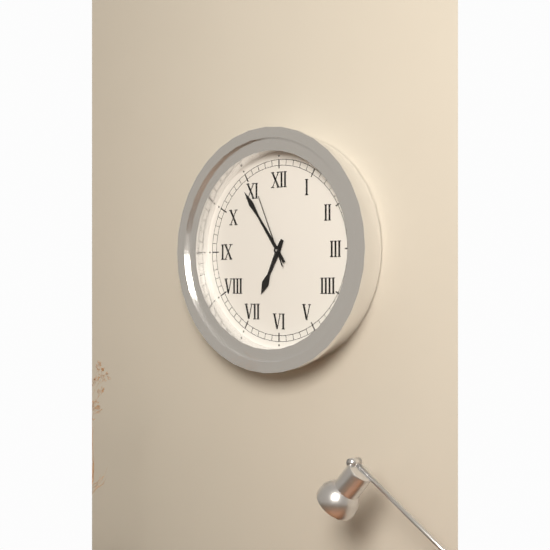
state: 6:54:56
